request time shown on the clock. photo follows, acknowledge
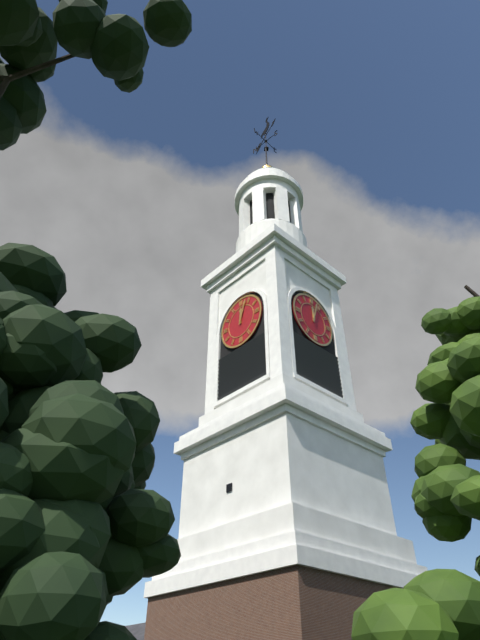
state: 12:03
